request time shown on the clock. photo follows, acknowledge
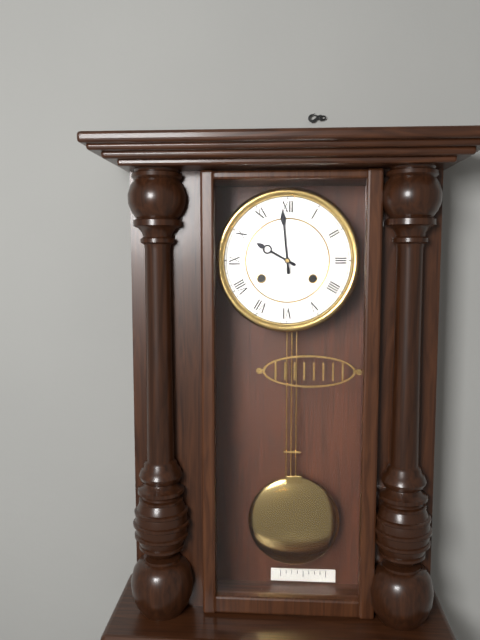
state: 9:59
